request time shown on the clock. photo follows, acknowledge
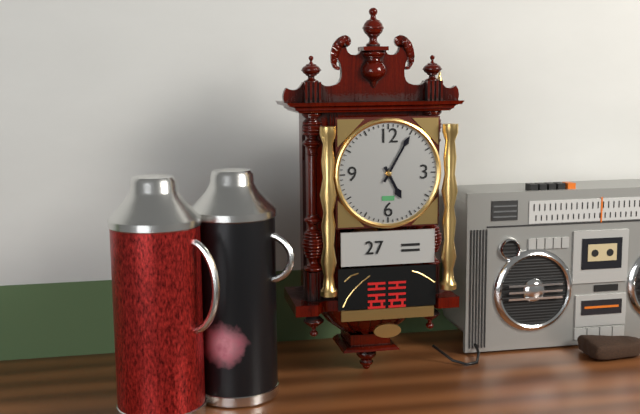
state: 5:05
